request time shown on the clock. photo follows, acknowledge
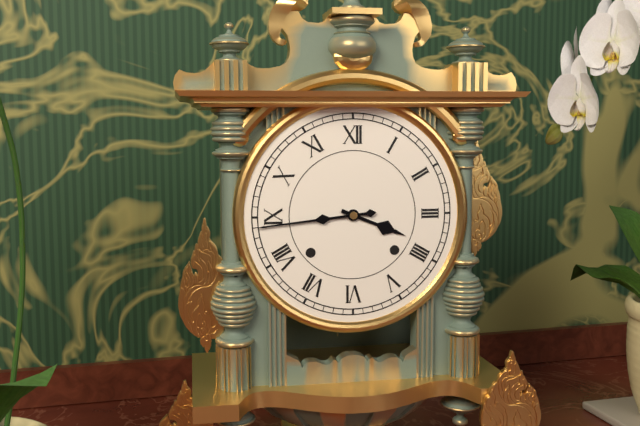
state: 3:44
